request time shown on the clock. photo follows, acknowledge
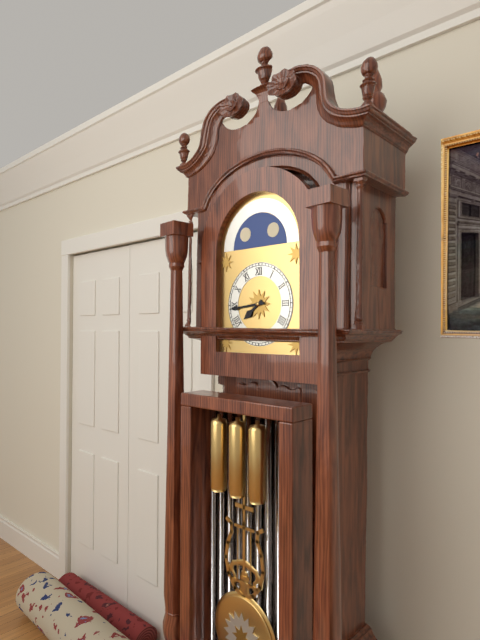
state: 7:44
